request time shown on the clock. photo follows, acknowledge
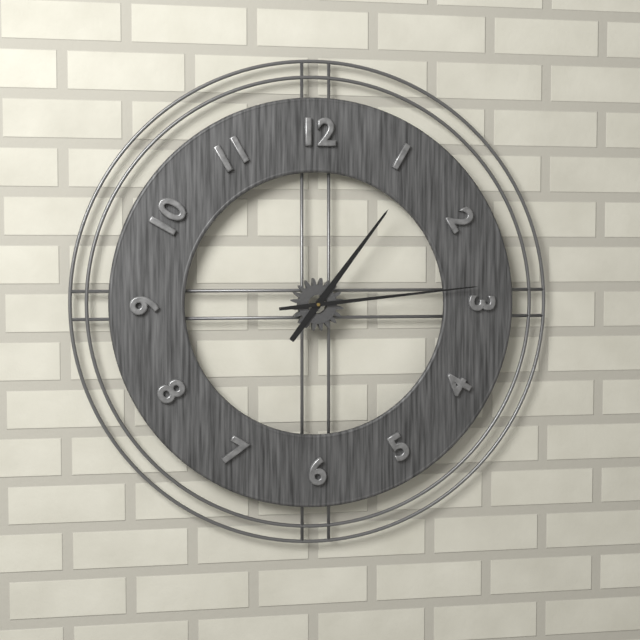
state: 1:14
